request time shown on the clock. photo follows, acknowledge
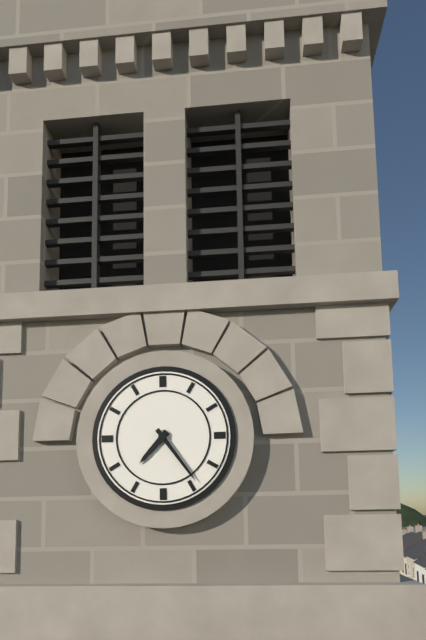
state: 7:24
